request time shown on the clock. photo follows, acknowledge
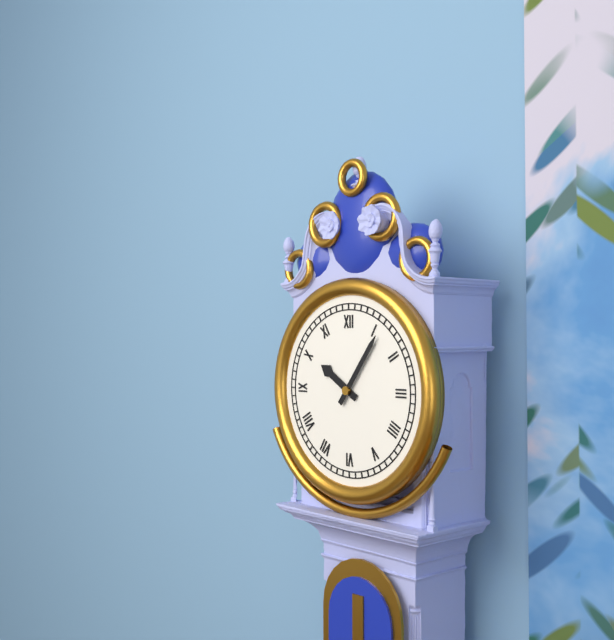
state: 10:06
